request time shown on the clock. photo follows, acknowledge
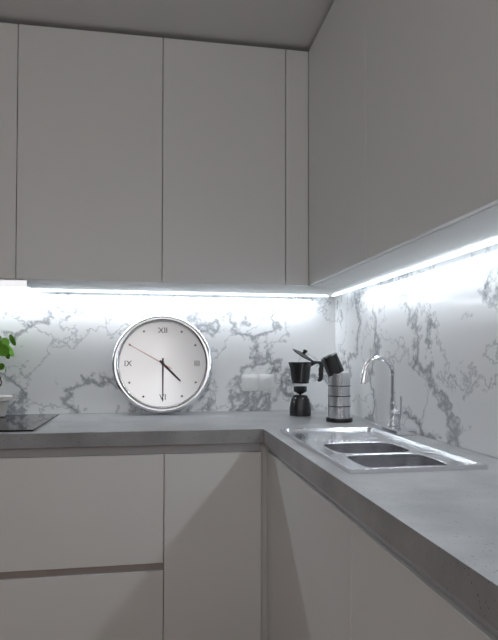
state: 4:30:50
